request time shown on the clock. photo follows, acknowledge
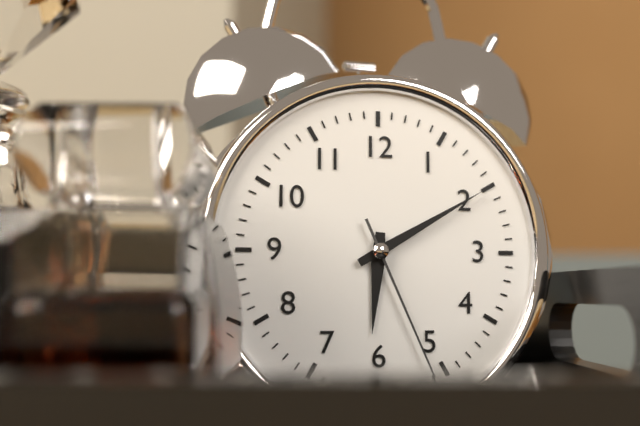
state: 6:10:26
